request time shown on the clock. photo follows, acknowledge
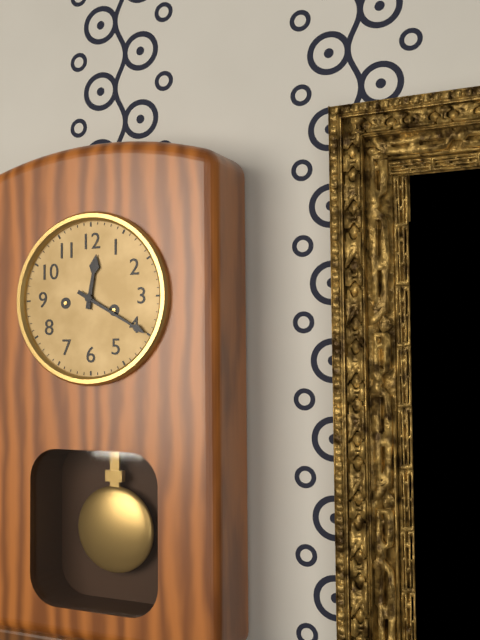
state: 12:20
